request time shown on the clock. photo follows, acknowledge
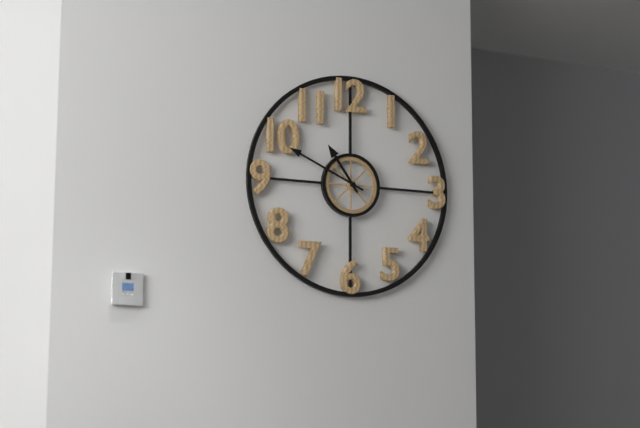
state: 10:49
